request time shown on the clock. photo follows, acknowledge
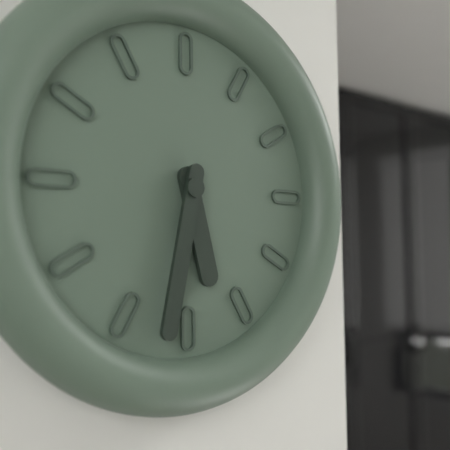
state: 5:32
